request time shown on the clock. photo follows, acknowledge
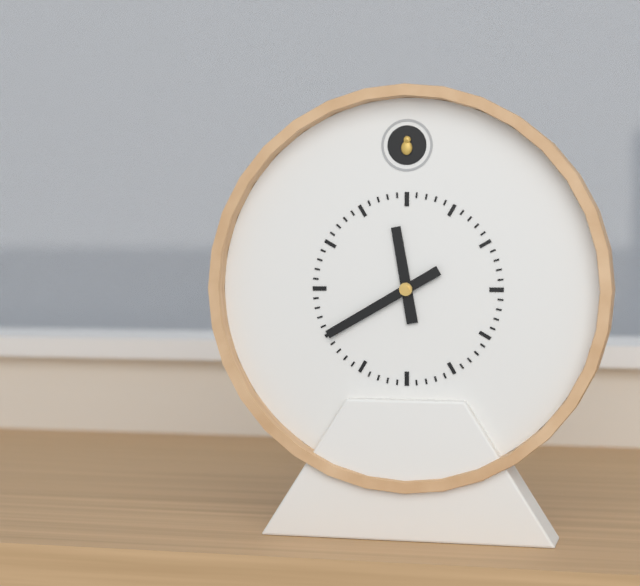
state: 11:40
